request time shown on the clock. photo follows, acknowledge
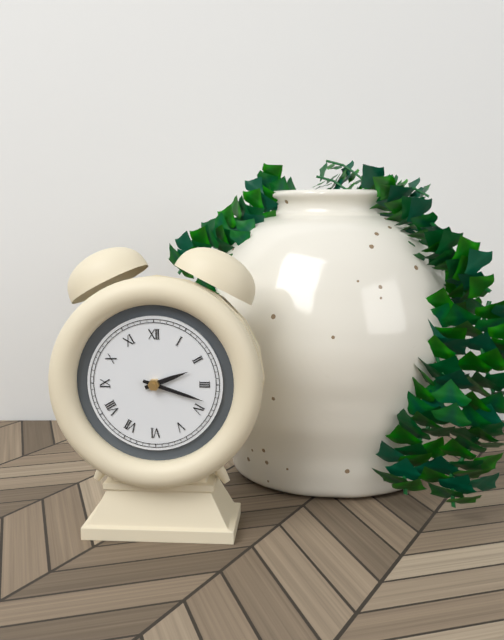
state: 2:18
